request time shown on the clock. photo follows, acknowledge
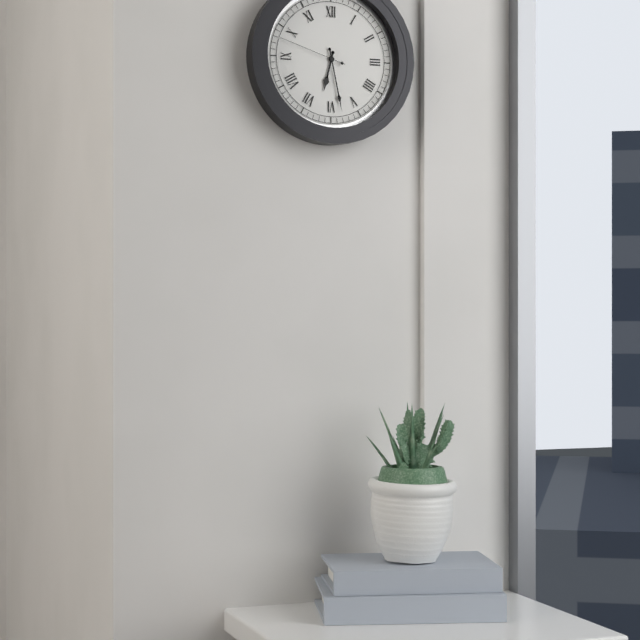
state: 6:28:48
